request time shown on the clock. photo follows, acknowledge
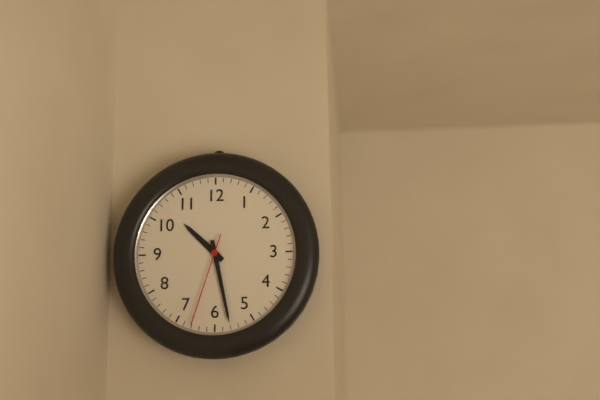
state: 10:28:33
